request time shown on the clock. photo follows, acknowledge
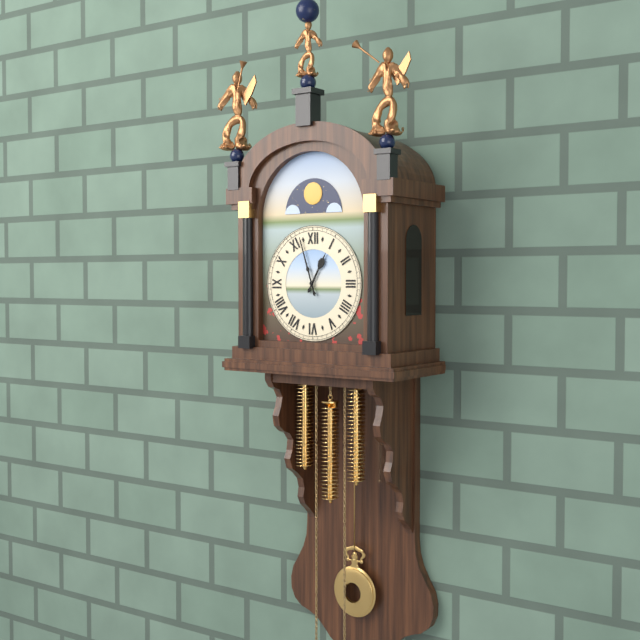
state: 12:57
